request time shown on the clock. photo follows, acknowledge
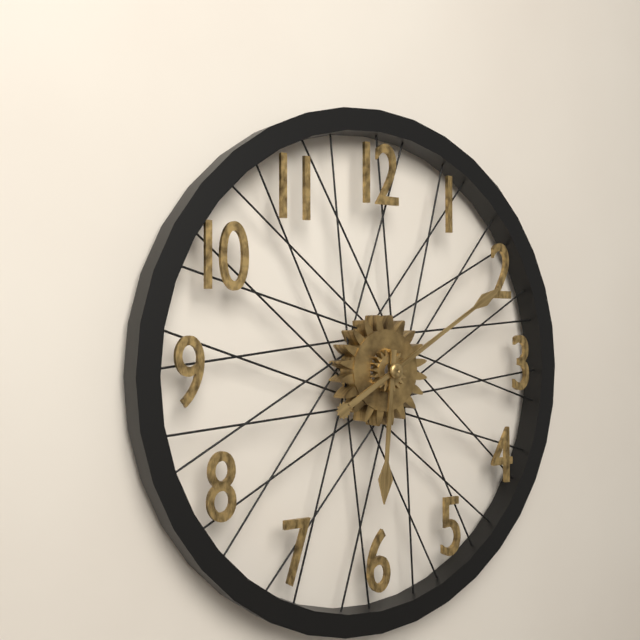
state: 6:10
